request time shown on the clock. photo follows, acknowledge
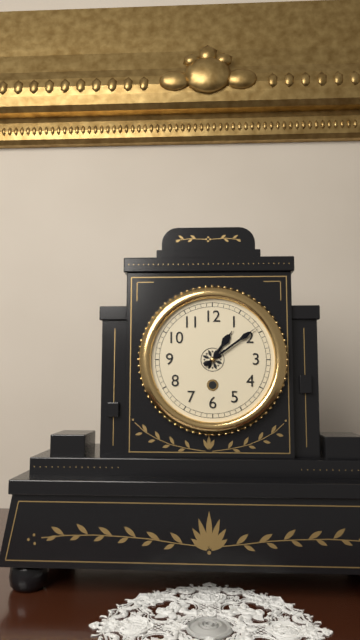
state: 1:09
